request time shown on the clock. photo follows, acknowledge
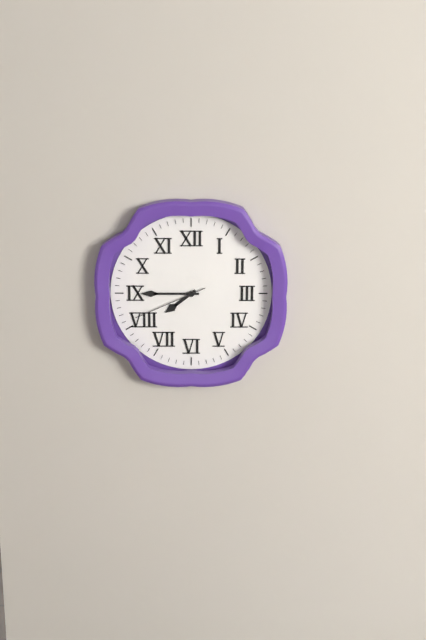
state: 7:45:41
